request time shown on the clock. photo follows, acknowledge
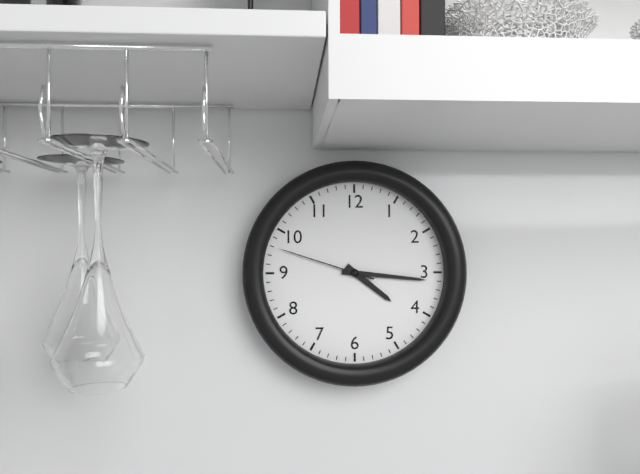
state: 4:16:48
